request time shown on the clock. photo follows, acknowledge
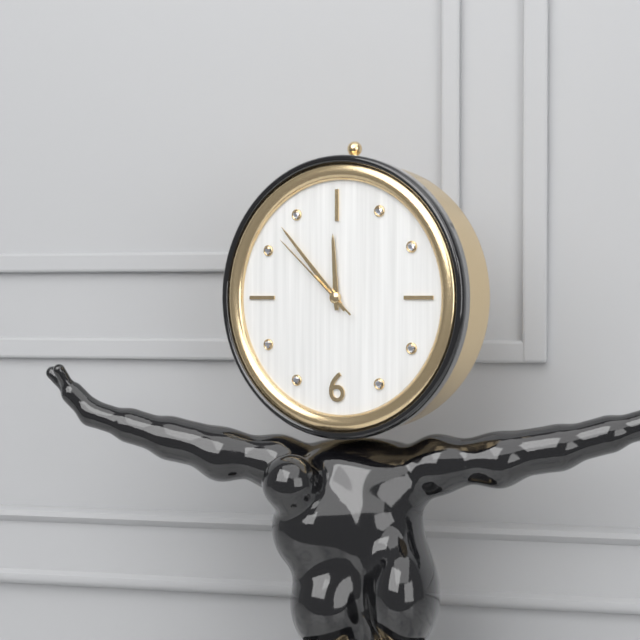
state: 11:53:52
